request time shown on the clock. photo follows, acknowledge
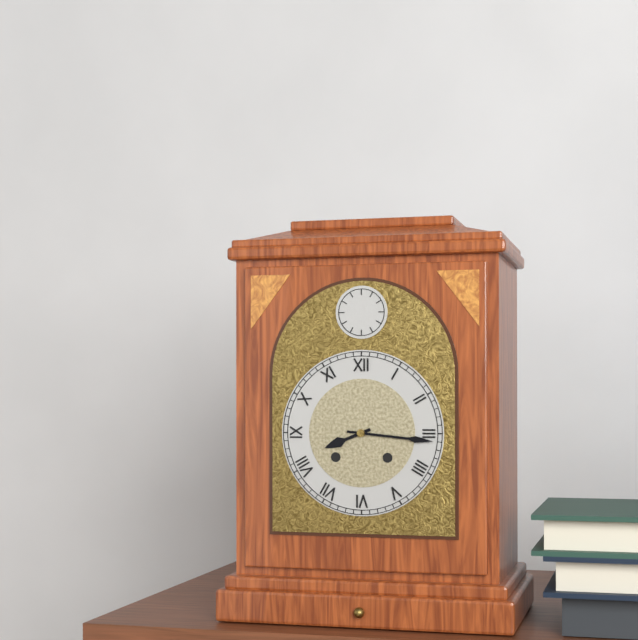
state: 8:16
